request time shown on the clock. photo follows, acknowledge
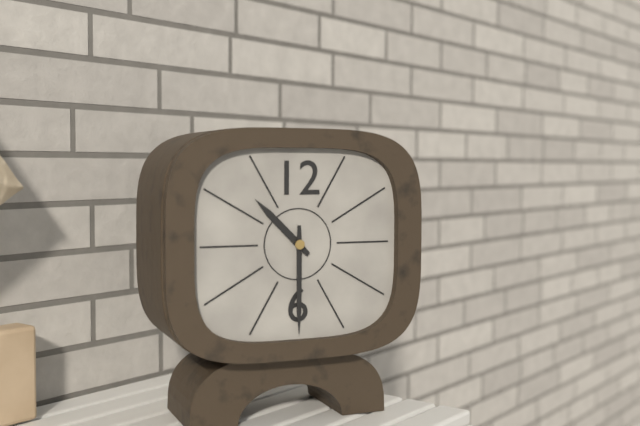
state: 10:30
